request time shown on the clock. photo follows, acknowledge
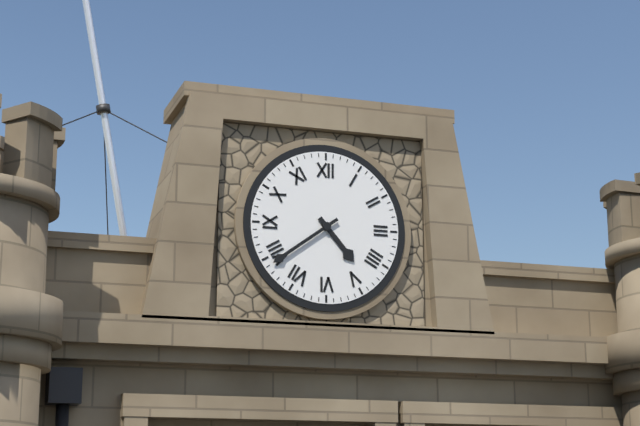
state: 4:39
